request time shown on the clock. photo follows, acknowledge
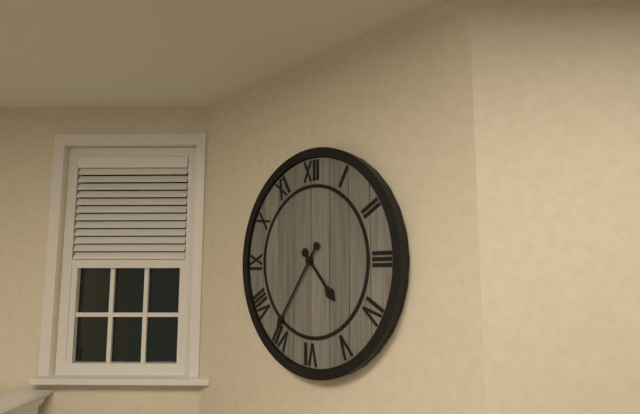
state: 4:36
